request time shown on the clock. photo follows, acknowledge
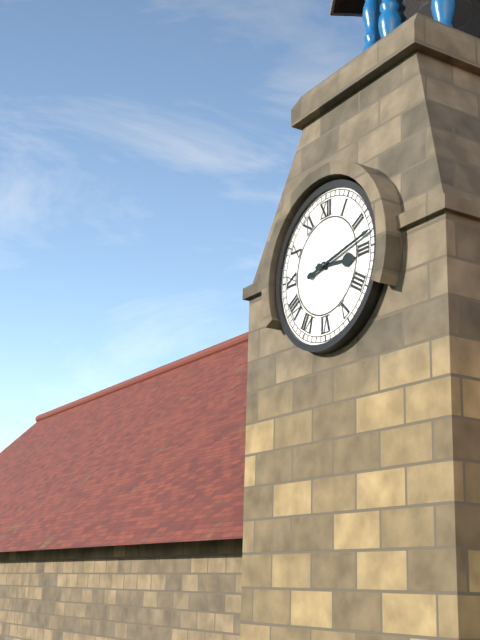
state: 3:13
